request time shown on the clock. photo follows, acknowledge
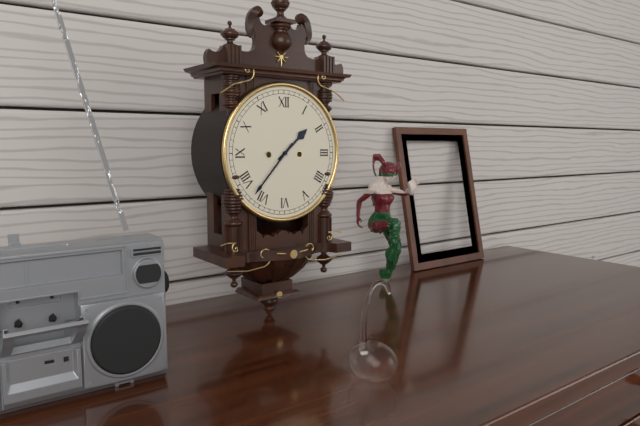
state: 1:37
